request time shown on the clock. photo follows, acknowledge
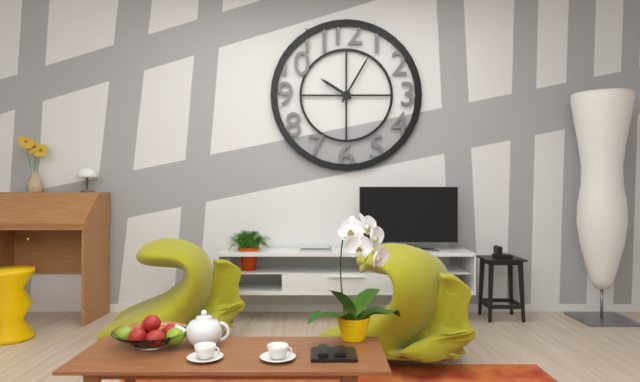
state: 10:05
